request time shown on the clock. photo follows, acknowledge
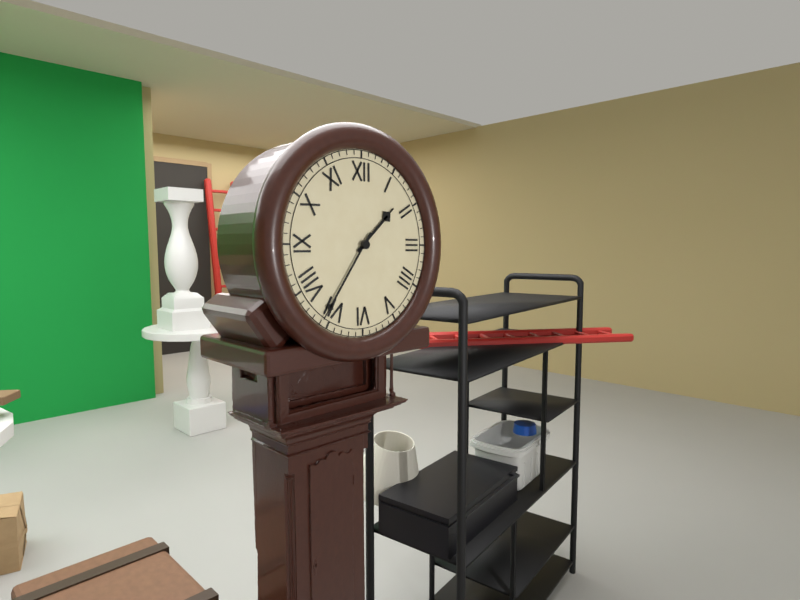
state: 1:36
